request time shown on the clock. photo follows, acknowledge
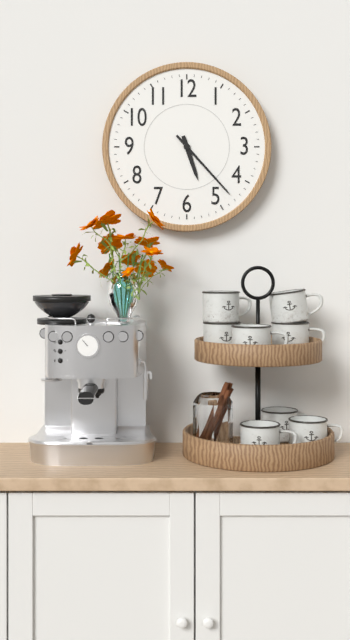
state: 5:23
